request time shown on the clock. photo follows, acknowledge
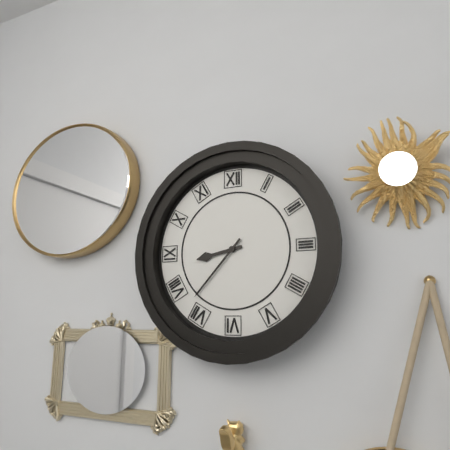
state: 8:37
